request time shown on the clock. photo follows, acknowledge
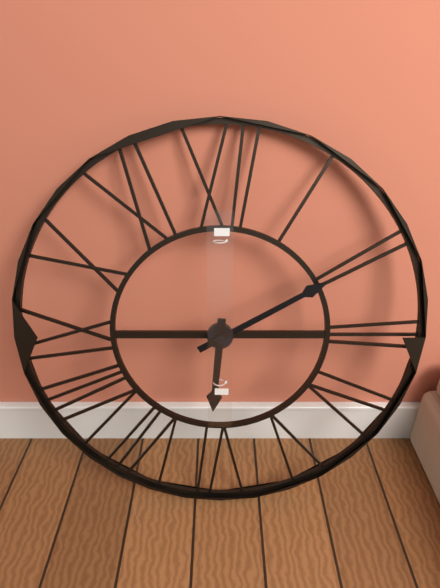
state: 6:10
